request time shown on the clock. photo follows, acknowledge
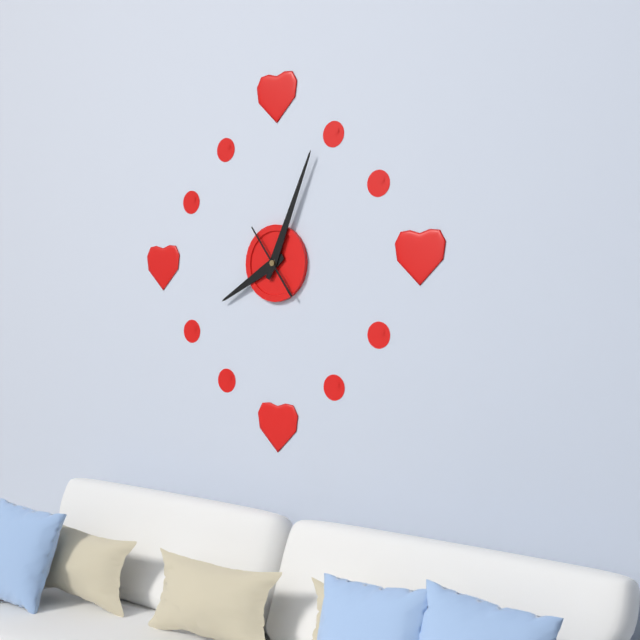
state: 8:04:54
